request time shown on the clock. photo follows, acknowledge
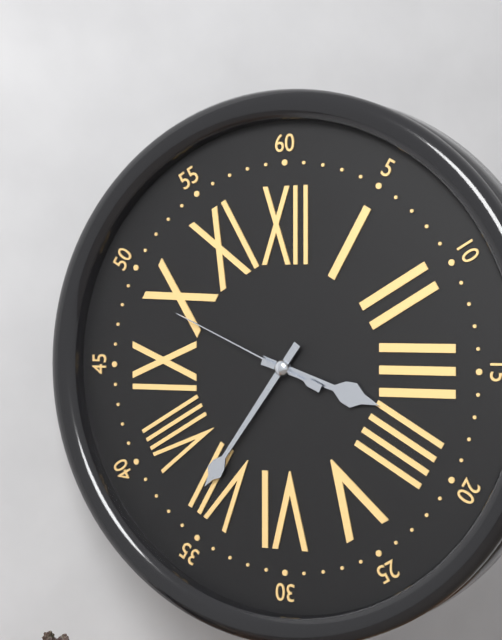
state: 3:36:49
